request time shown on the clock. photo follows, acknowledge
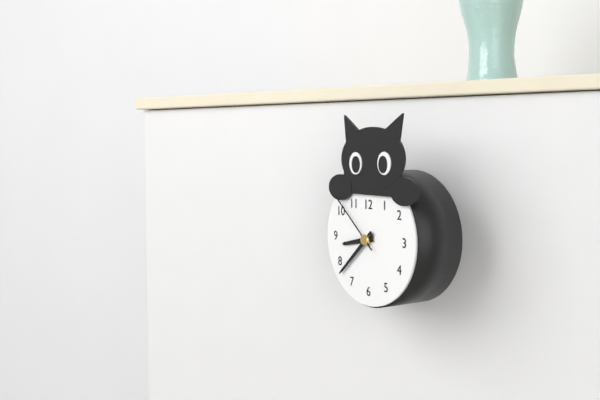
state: 8:38:52
